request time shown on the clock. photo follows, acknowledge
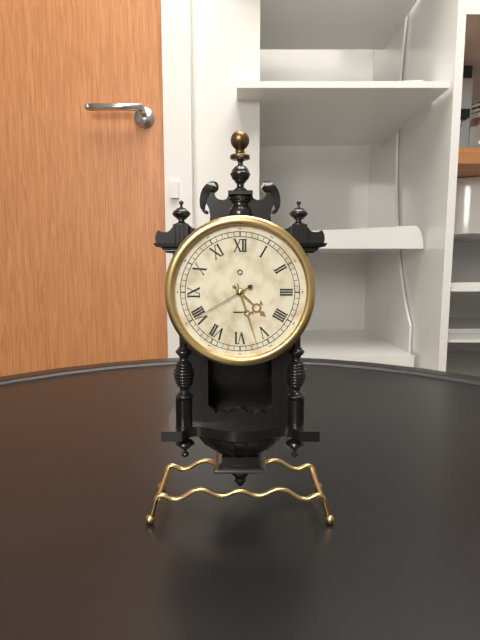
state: 4:27:40
